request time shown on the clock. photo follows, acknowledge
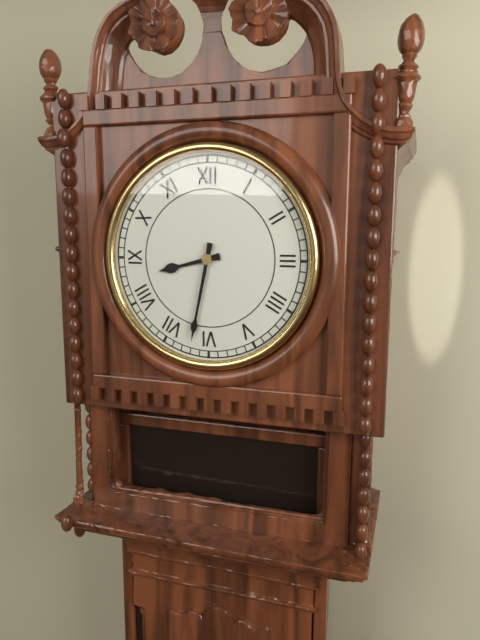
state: 8:32
